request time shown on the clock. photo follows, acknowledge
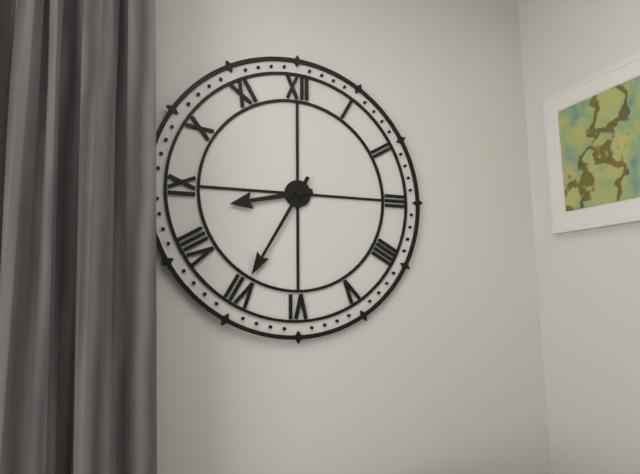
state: 8:35
